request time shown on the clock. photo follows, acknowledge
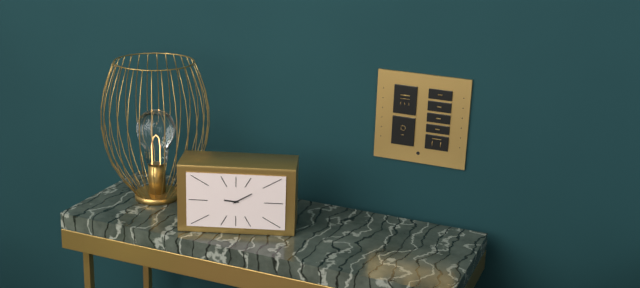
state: 9:10
